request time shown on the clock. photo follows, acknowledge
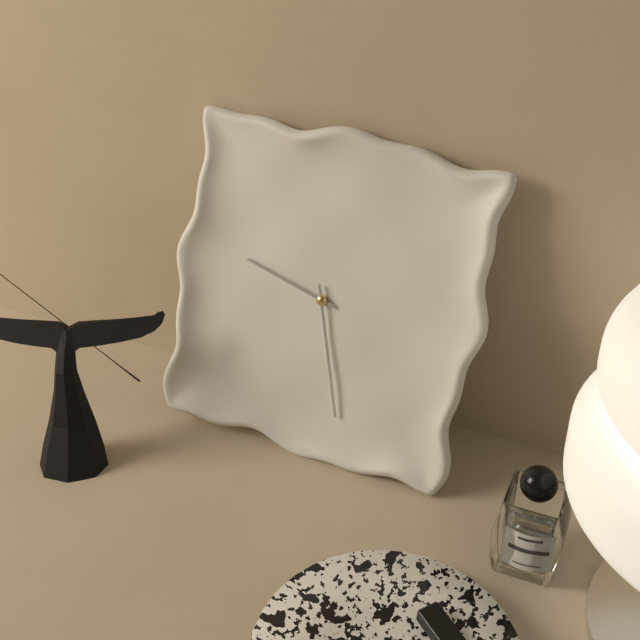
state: 9:27
